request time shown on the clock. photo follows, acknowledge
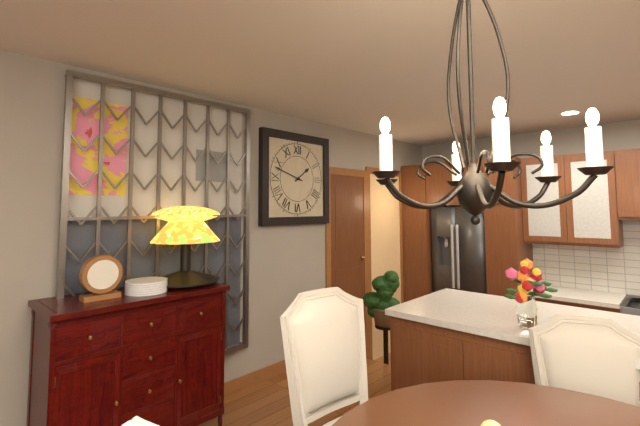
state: 1:48
